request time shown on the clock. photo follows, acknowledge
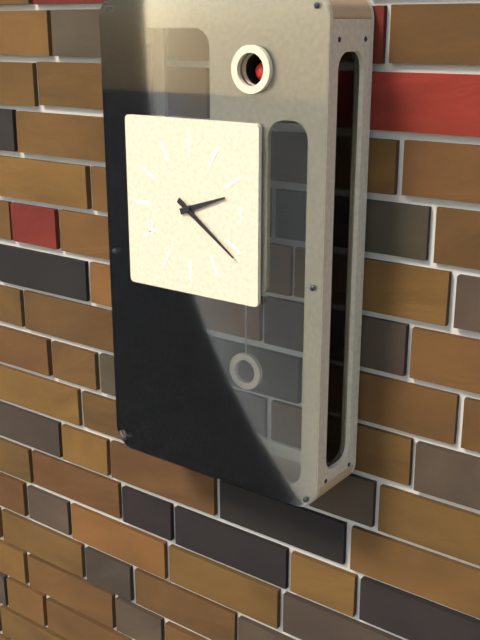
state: 2:21
